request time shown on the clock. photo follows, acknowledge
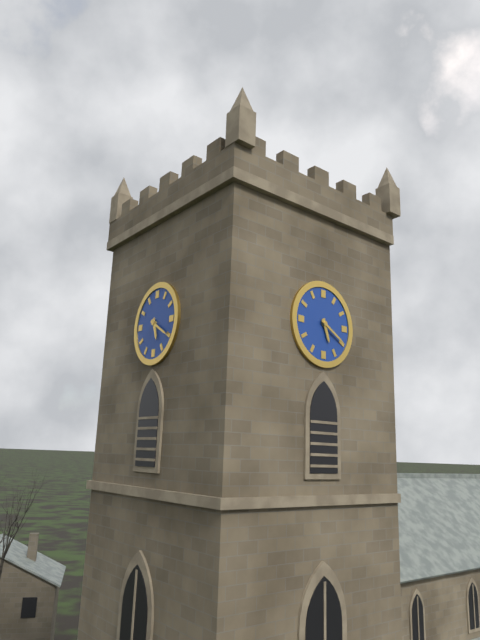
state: 5:20
